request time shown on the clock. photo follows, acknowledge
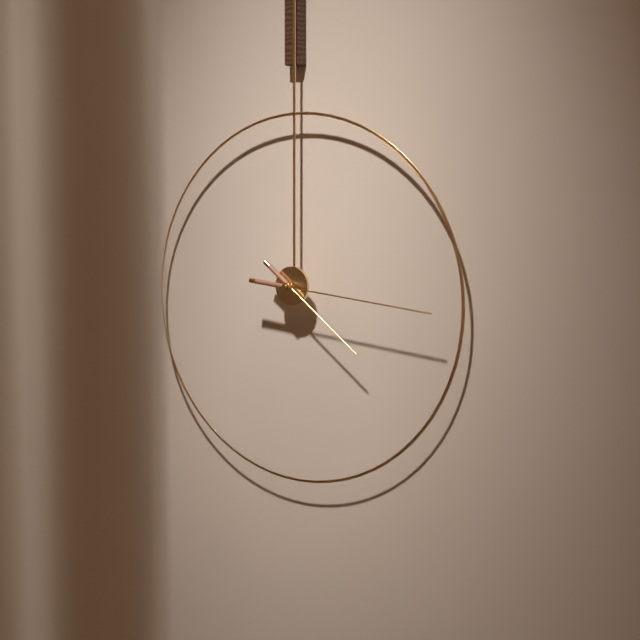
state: 4:16
